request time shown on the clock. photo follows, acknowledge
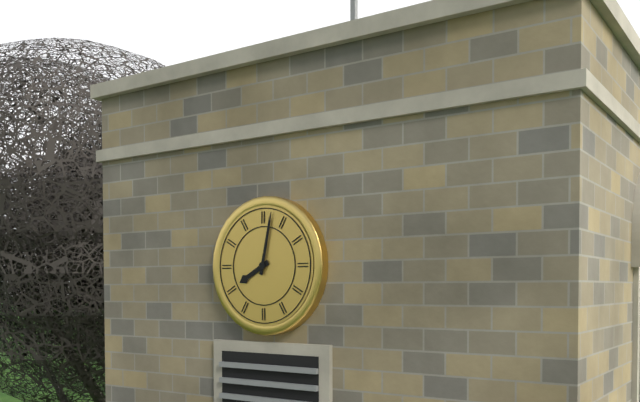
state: 8:02
